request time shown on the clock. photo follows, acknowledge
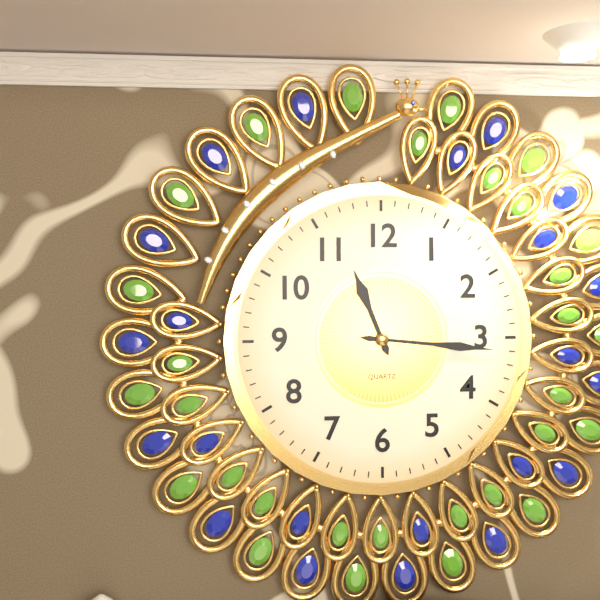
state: 11:16
